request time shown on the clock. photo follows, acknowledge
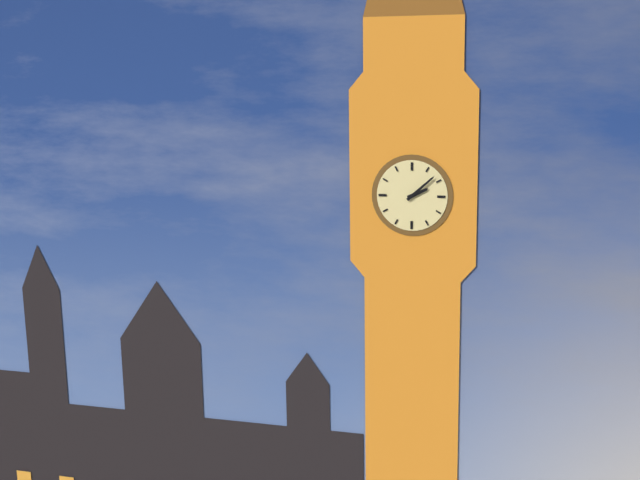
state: 2:08
